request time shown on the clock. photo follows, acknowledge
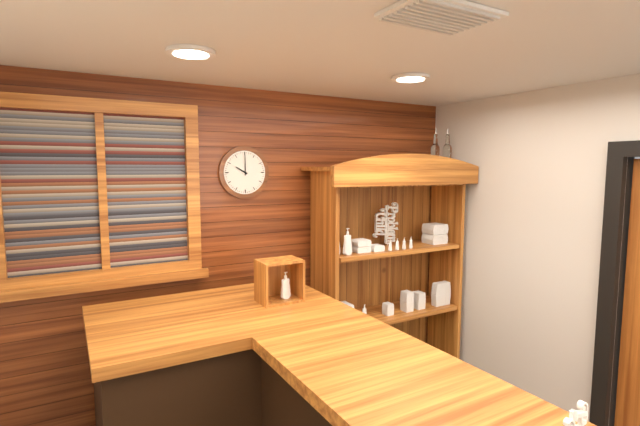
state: 10:00
